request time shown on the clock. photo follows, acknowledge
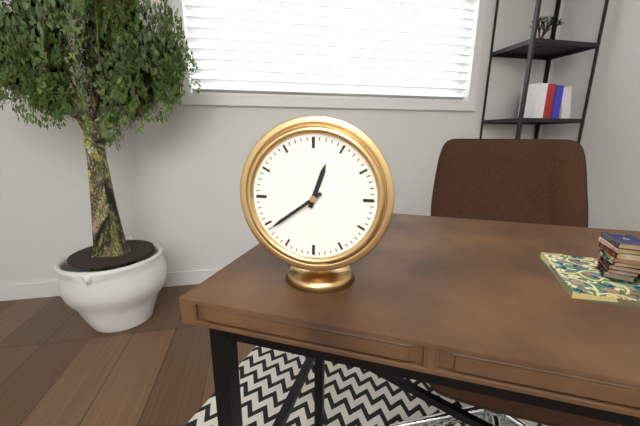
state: 12:39
